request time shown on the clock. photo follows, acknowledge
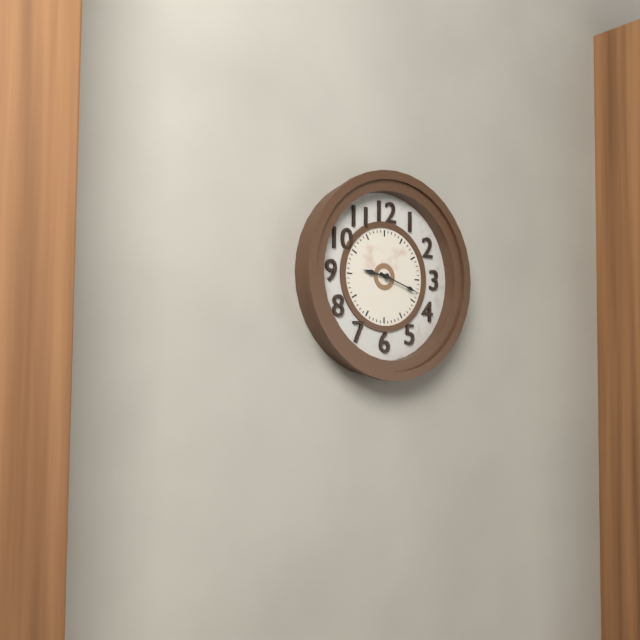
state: 9:18
